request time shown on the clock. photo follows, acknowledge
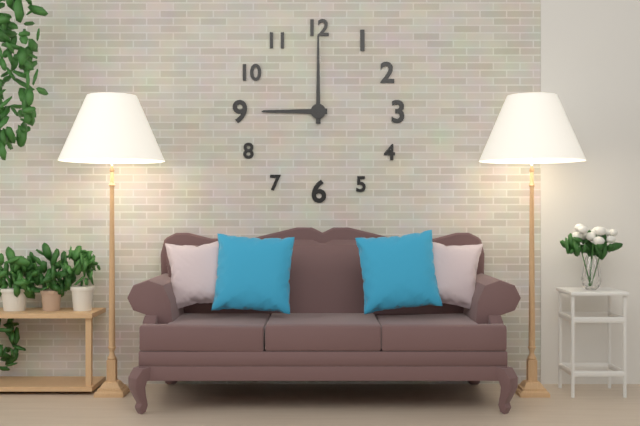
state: 9:00
